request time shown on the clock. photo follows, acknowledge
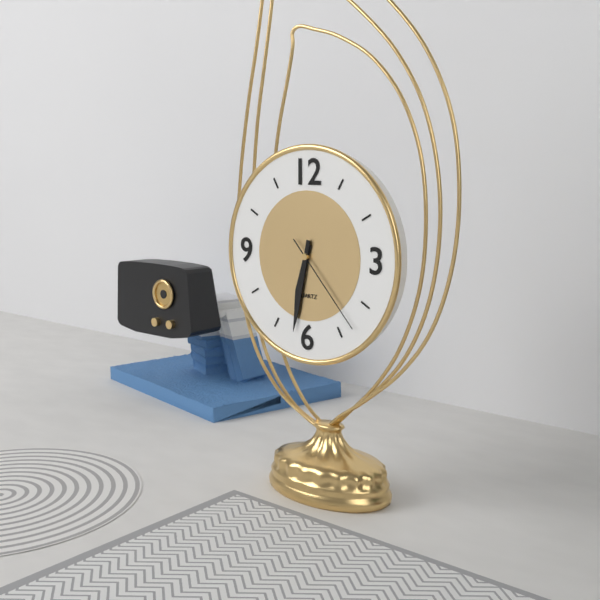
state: 6:32:23
